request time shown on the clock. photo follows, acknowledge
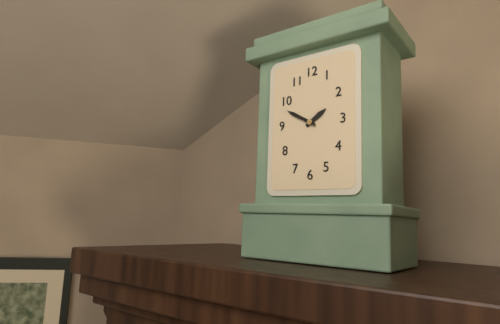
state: 1:50
